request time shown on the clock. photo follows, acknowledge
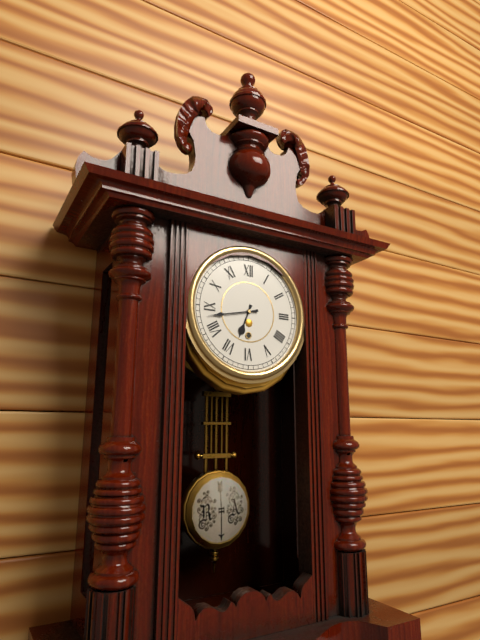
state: 6:43
